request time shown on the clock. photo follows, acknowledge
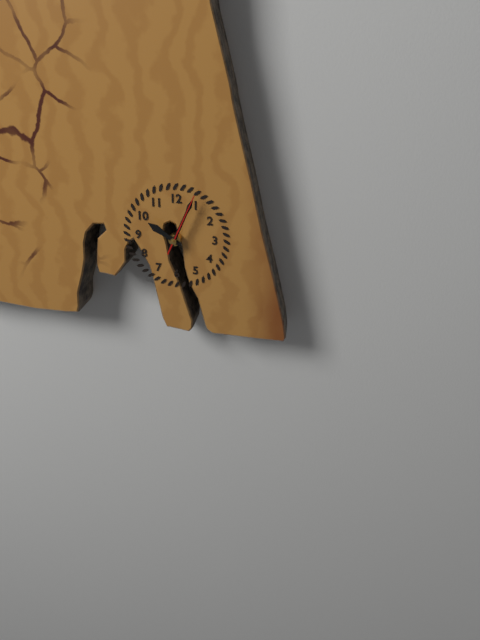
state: 10:04:04
